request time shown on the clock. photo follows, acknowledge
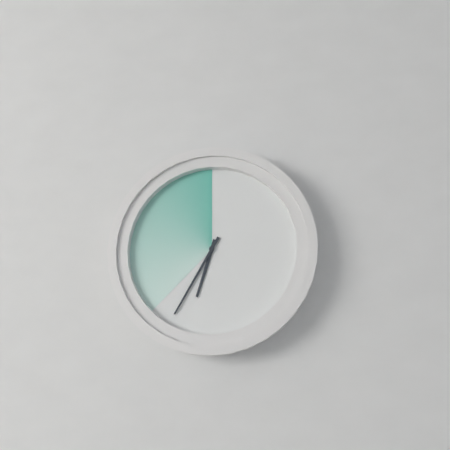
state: 6:35
